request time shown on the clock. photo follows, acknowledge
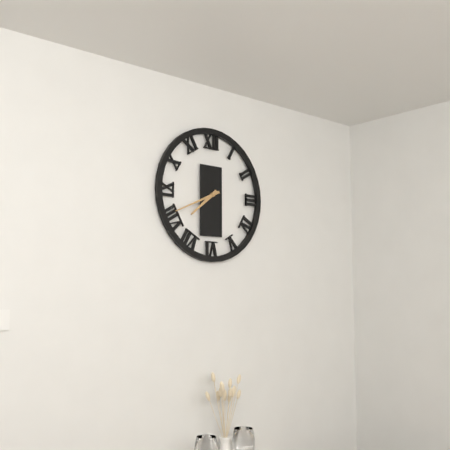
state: 7:41
